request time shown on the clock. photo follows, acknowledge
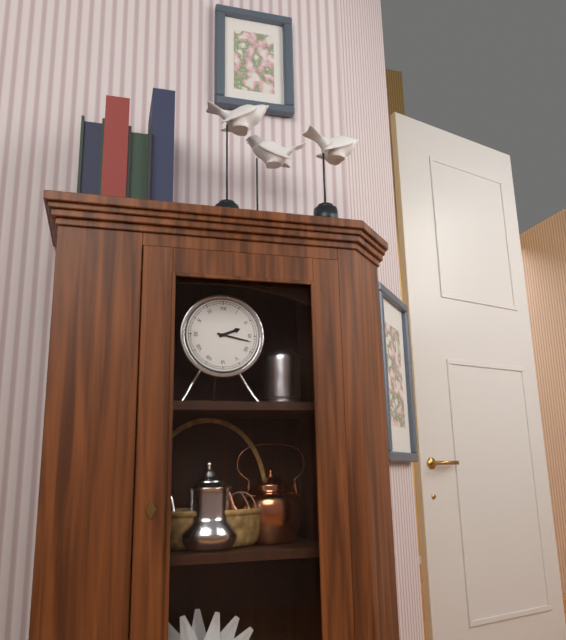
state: 2:17
